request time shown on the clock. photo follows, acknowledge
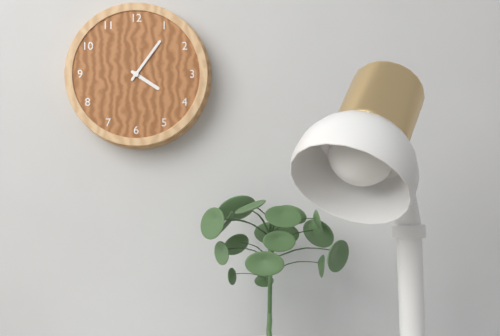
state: 4:06
